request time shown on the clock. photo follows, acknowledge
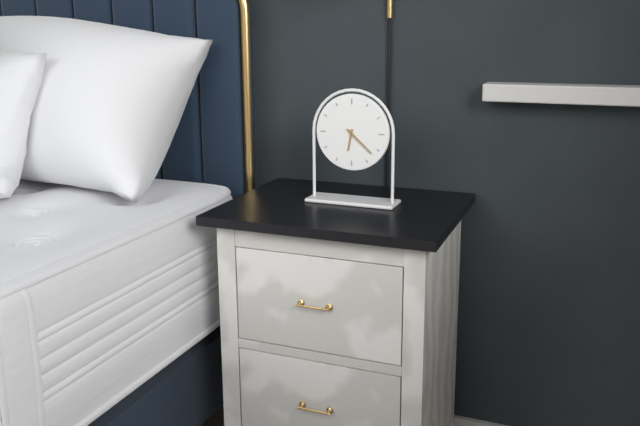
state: 6:22
